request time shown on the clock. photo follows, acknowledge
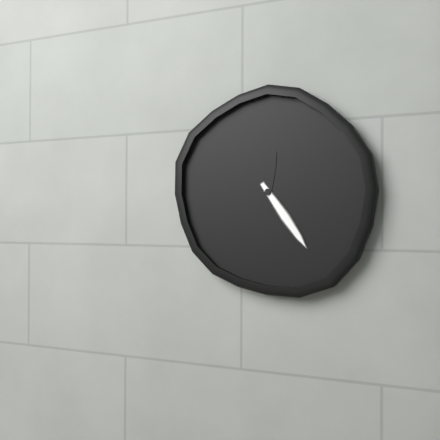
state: 12:24
